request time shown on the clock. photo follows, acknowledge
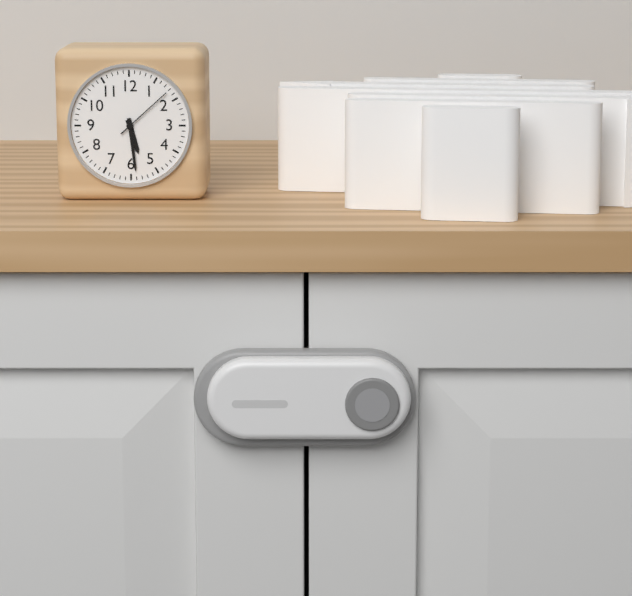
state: 5:29:08
